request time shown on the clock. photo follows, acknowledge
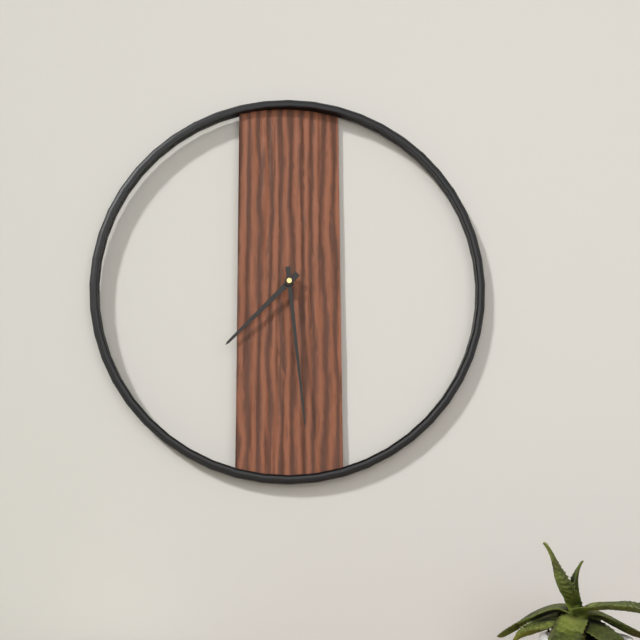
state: 7:29
